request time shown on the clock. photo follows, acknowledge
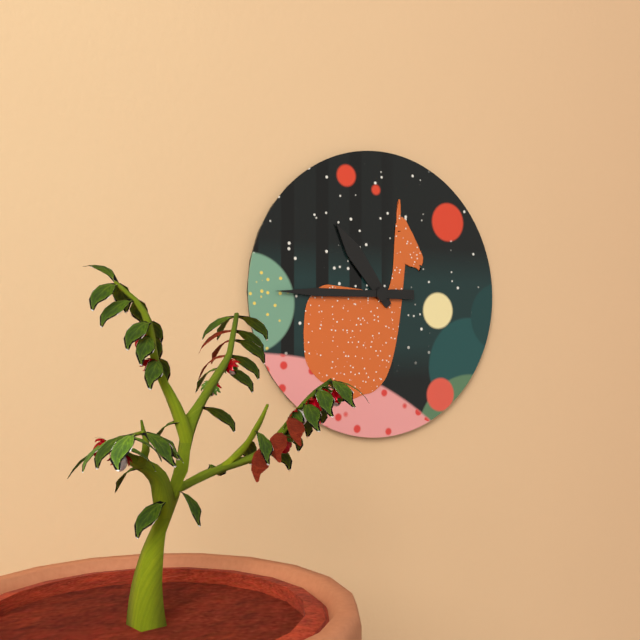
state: 10:45
